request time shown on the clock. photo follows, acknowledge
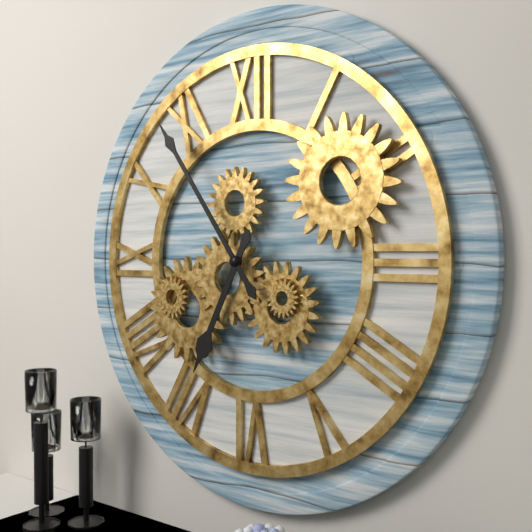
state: 6:54
